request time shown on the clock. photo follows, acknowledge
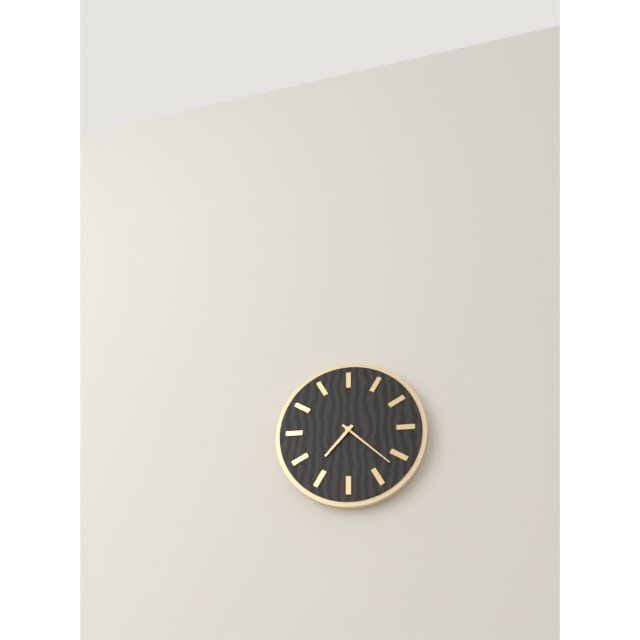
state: 7:22
